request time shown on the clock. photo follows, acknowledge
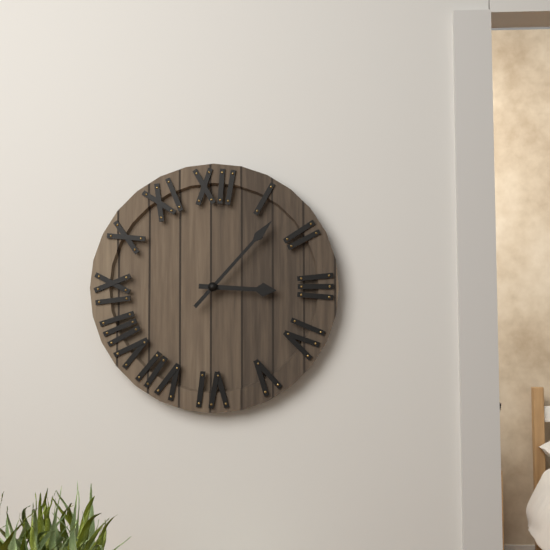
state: 3:07
